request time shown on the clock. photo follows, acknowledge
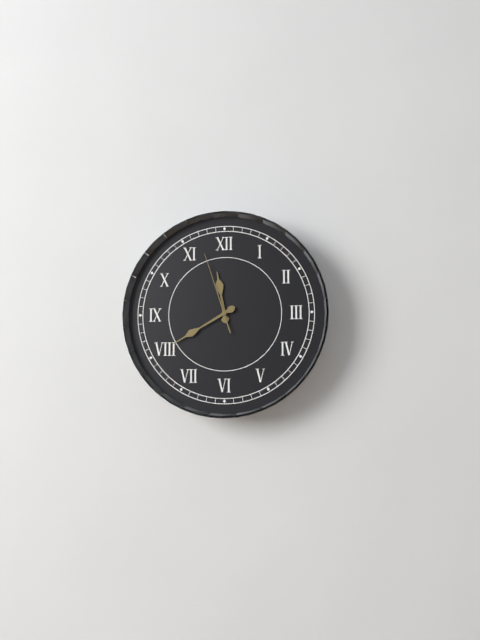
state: 11:40:57
